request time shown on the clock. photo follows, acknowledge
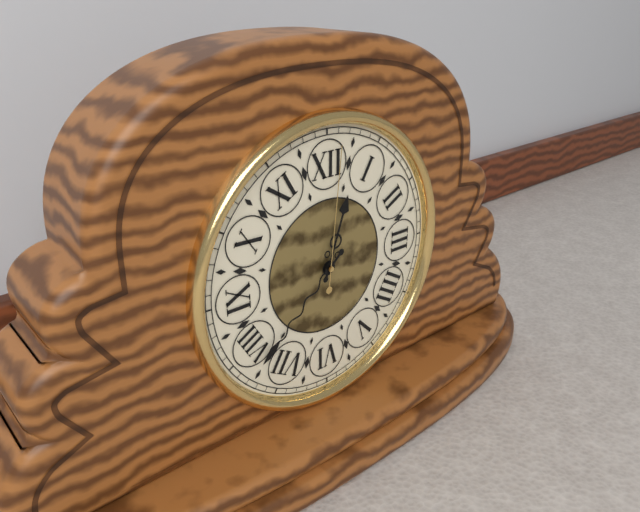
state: 12:38:01
